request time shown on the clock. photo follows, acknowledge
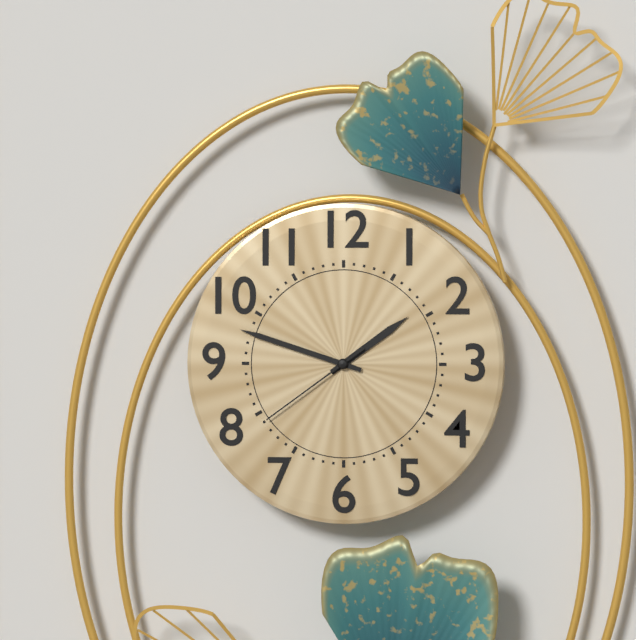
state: 1:48:39
